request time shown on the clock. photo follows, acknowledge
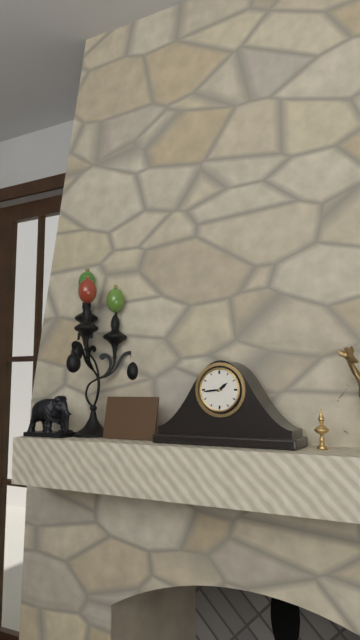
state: 1:44
